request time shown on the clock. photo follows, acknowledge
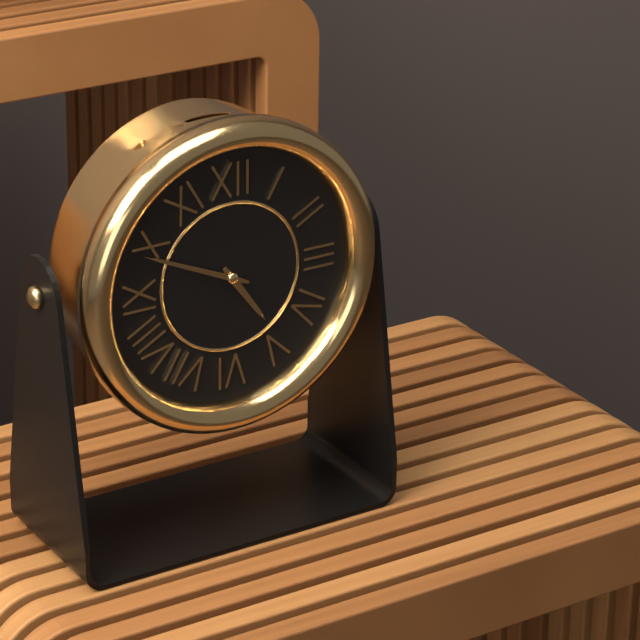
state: 4:49
